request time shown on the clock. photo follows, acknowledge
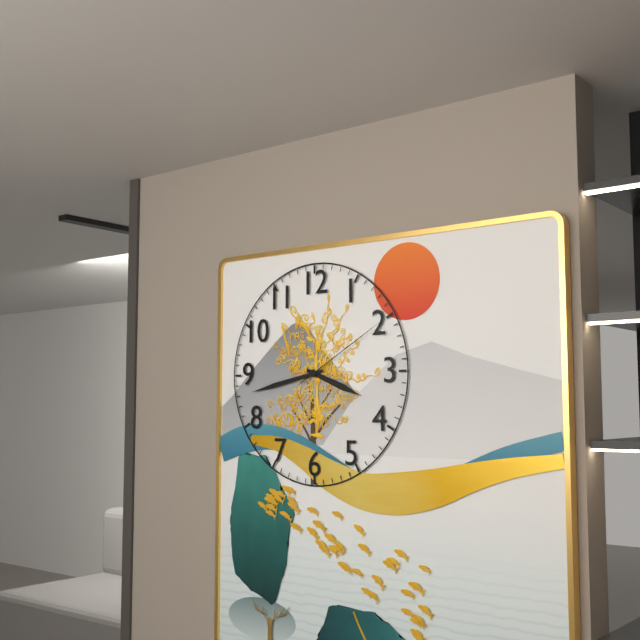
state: 3:43:10
